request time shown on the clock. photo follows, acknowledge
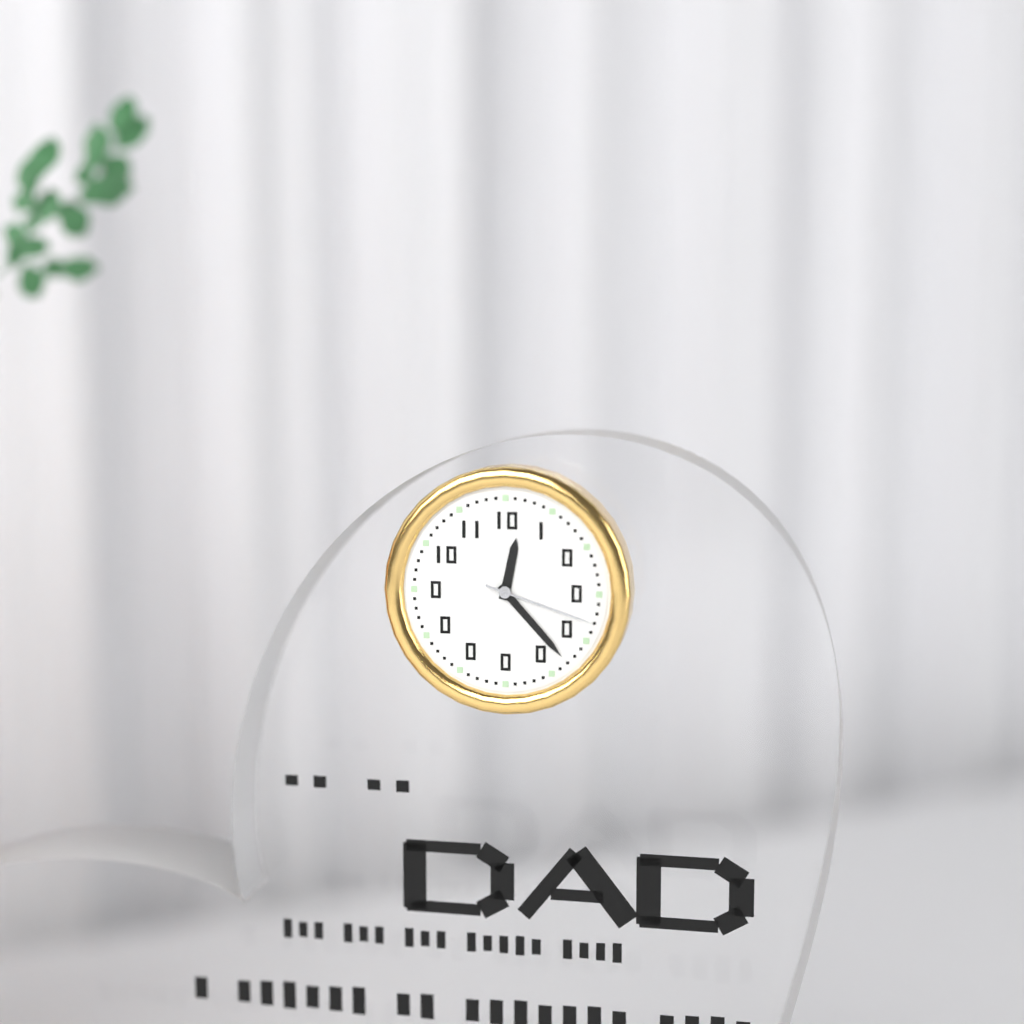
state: 12:23:18
